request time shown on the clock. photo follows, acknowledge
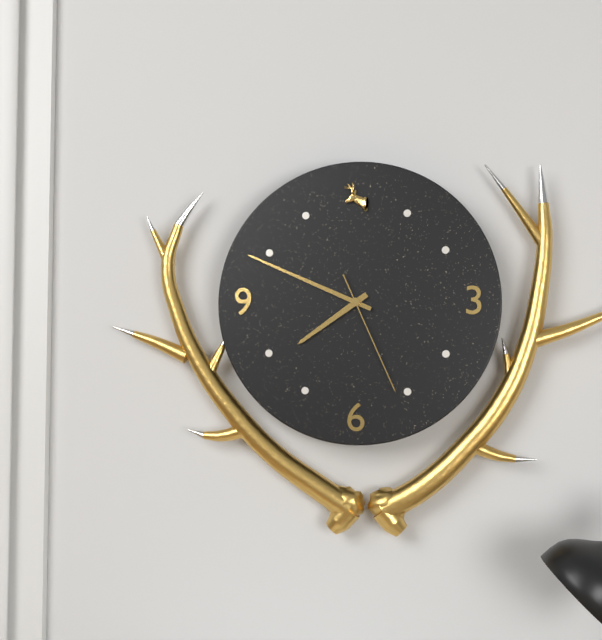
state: 7:49:26
